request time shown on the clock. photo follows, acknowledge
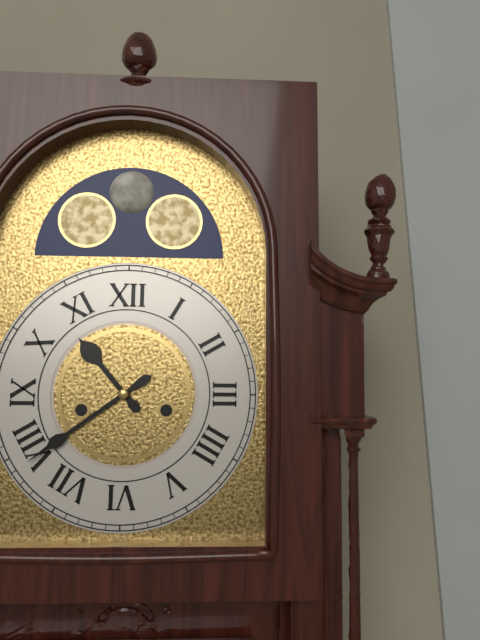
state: 10:39
